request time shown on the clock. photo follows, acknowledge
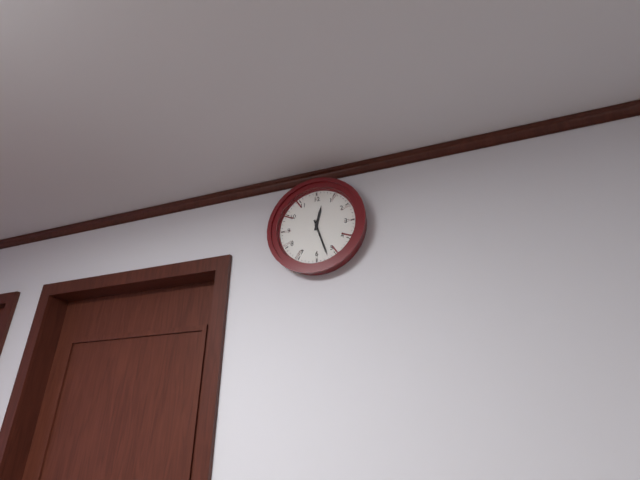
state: 12:27
